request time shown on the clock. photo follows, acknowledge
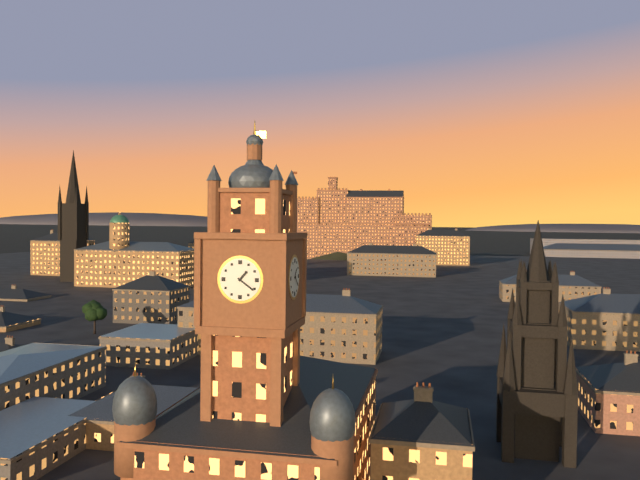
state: 1:21
